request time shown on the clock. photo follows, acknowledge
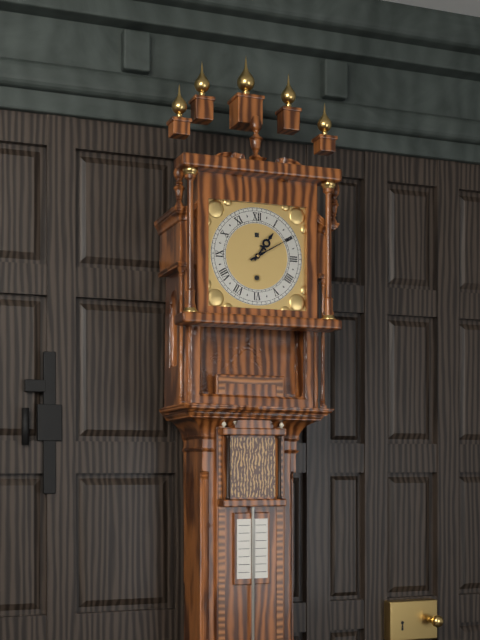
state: 1:10
